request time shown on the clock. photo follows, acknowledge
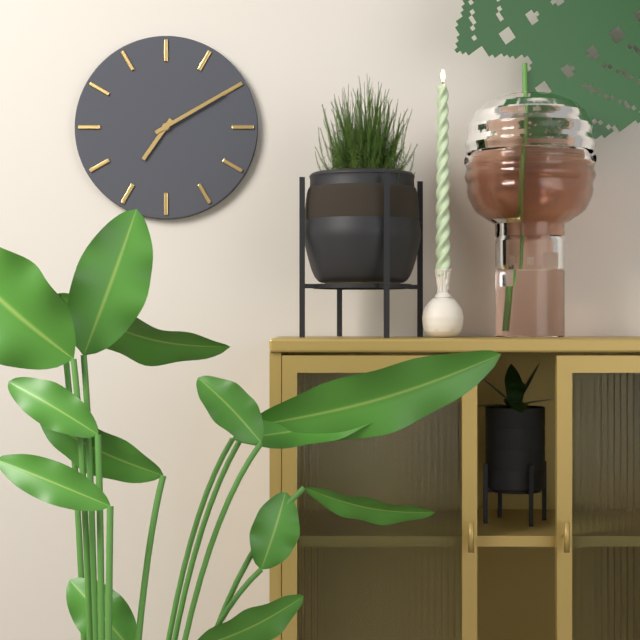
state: 7:10
